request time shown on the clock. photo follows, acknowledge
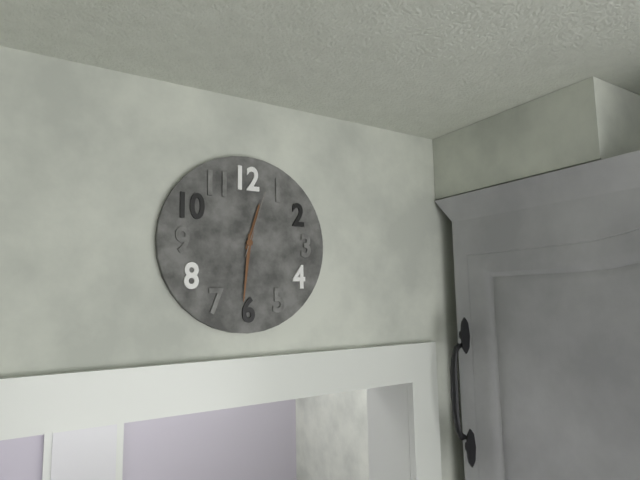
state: 12:31:03
